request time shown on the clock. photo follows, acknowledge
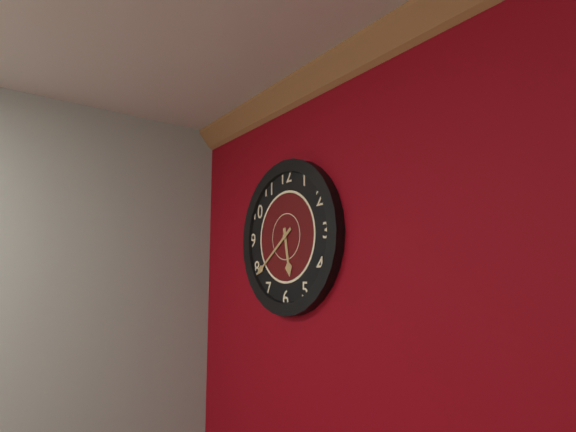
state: 5:39
